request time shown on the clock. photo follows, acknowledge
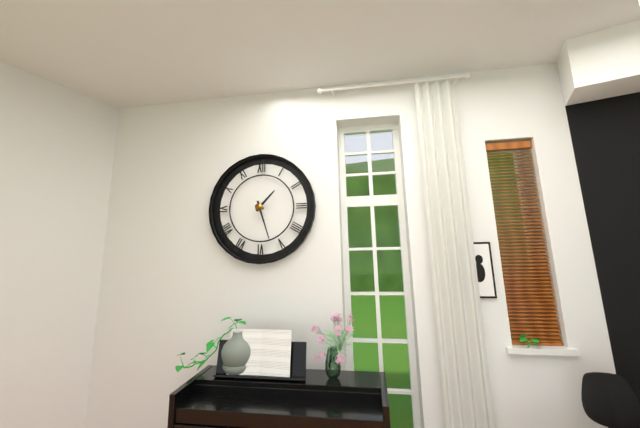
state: 1:27
